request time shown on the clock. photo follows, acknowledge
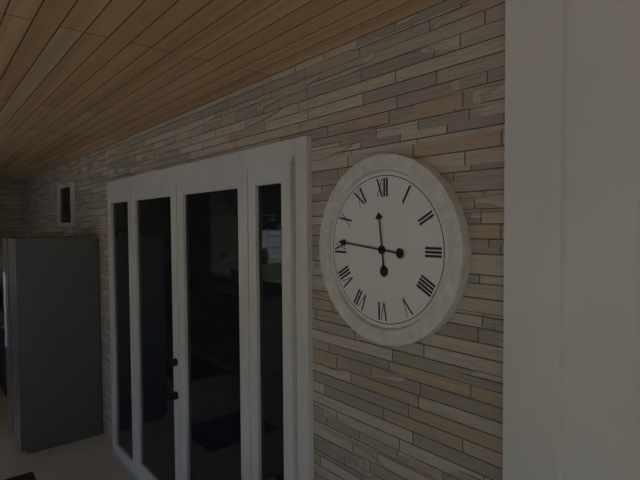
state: 11:46
